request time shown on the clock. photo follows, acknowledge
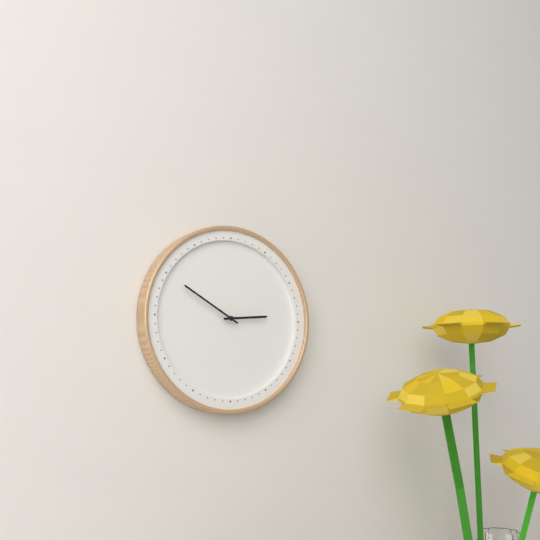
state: 2:50
